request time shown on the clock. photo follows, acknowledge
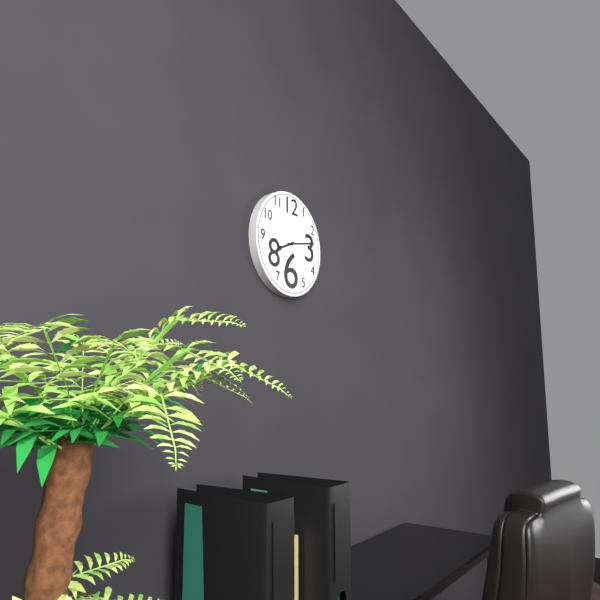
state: 8:13
